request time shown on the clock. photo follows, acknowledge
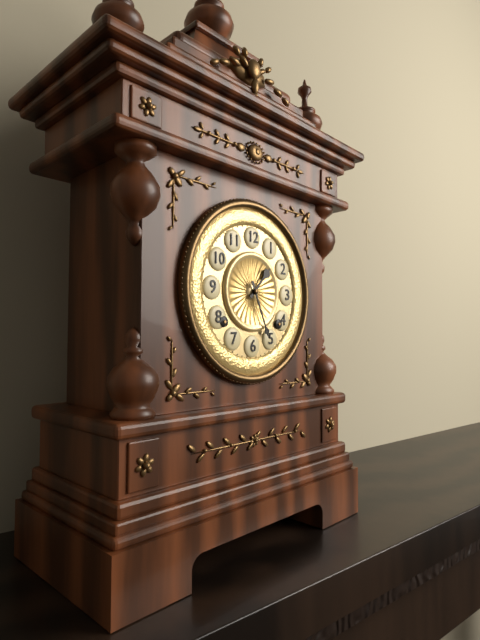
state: 1:26
